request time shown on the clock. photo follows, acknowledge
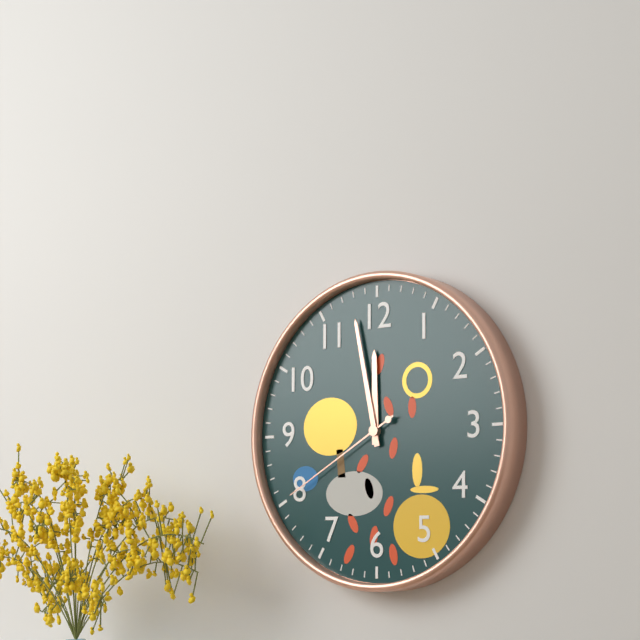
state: 11:58:40
